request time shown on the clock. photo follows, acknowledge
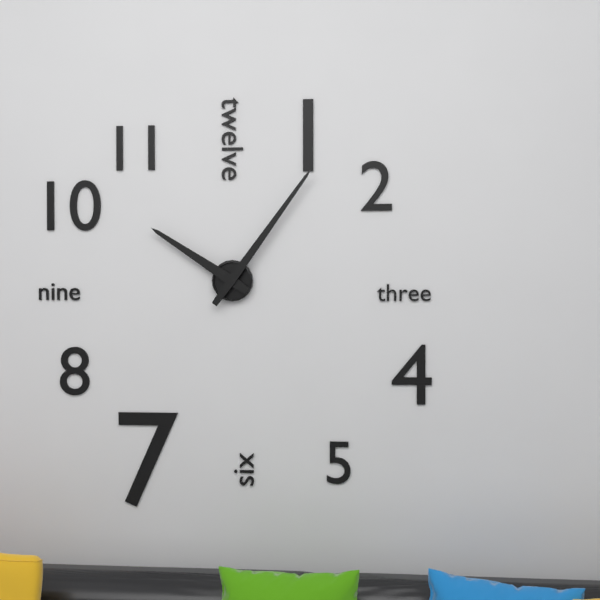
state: 10:06
